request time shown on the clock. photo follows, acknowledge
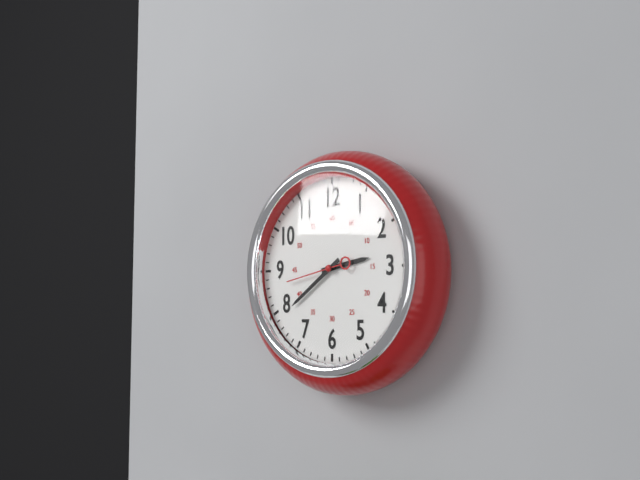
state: 2:39:43
